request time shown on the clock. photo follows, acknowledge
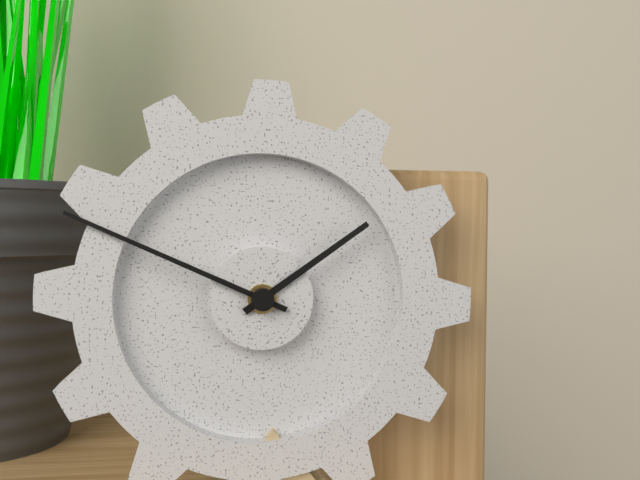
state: 1:49
